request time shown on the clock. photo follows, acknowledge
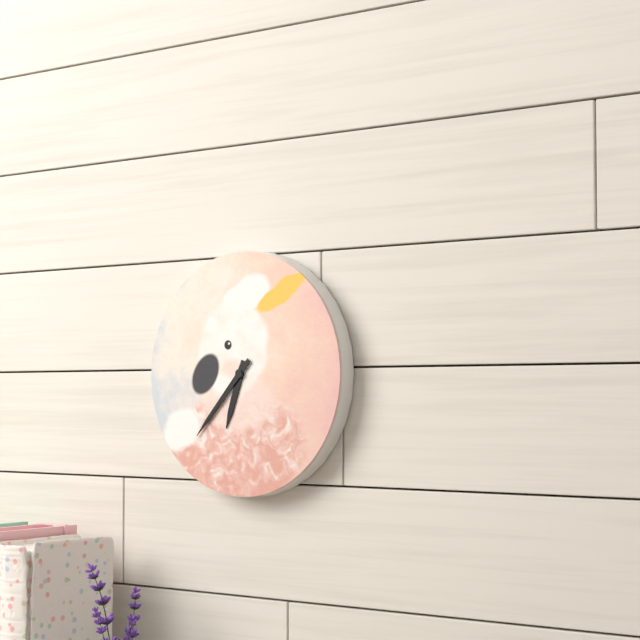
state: 6:37
